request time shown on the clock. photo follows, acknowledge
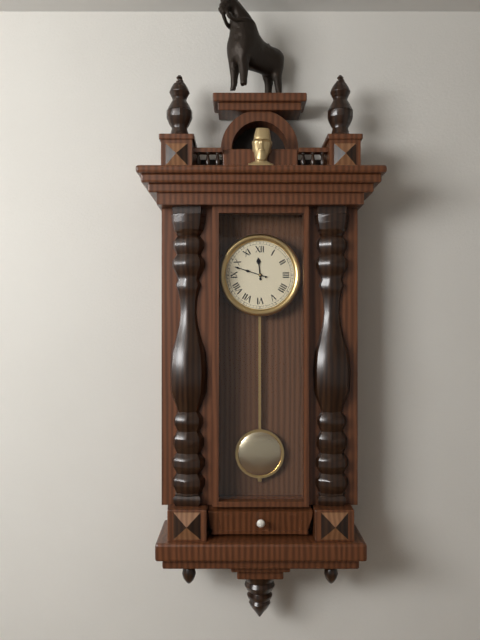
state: 11:48
